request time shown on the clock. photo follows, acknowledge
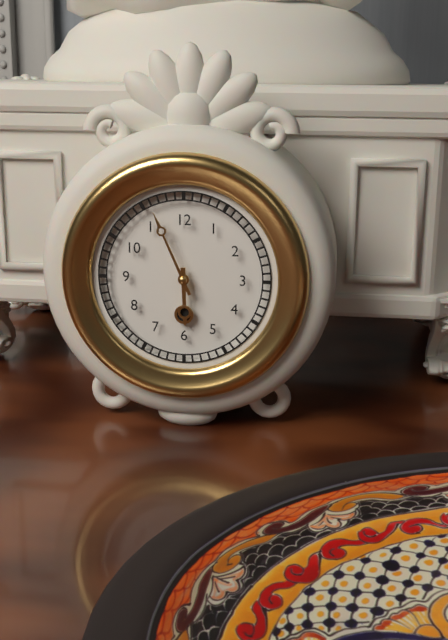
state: 5:56
